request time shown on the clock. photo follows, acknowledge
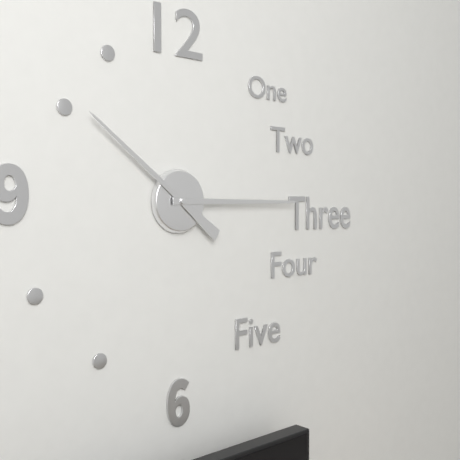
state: 10:15
